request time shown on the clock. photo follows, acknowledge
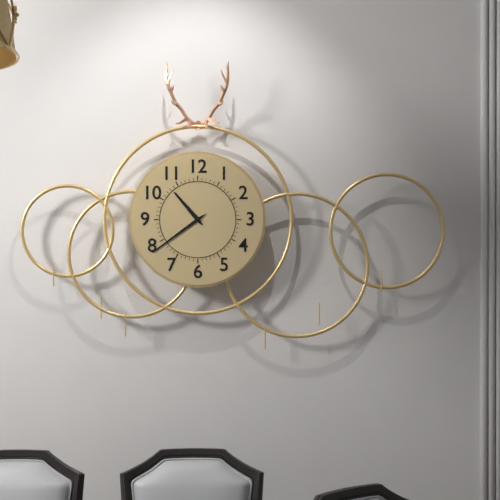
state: 10:39
